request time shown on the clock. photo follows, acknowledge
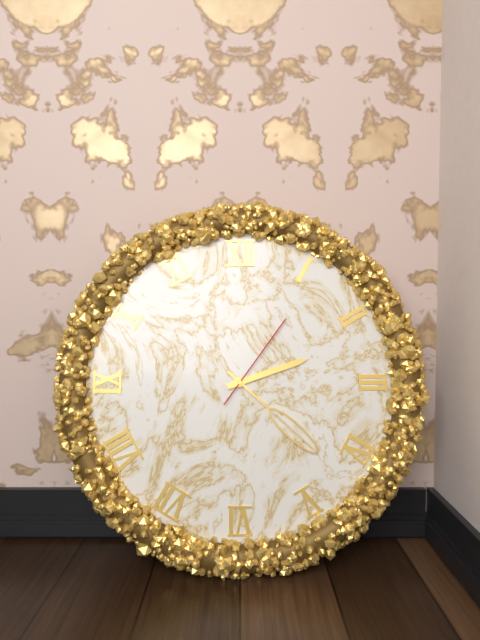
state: 2:22:06
